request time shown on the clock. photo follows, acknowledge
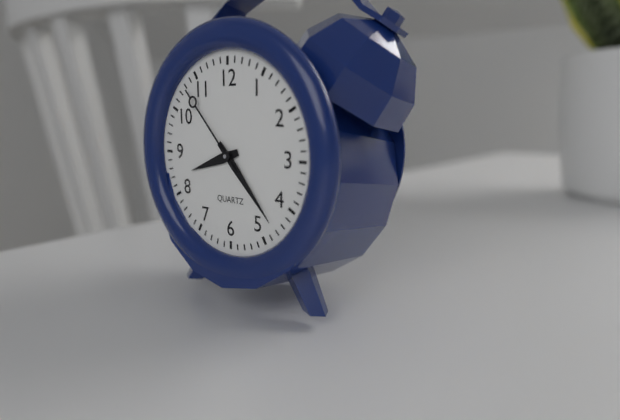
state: 8:23:53
